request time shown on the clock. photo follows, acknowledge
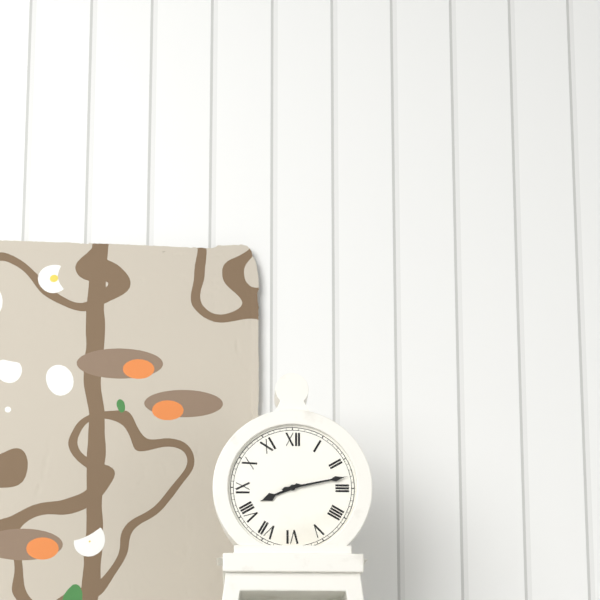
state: 8:13
